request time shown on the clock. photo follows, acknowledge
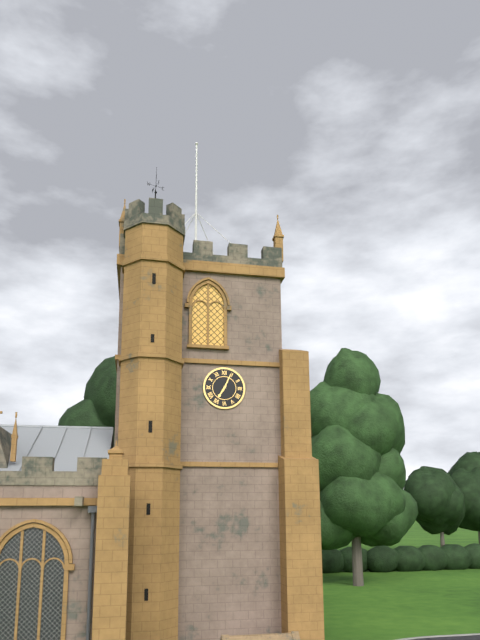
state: 7:04
